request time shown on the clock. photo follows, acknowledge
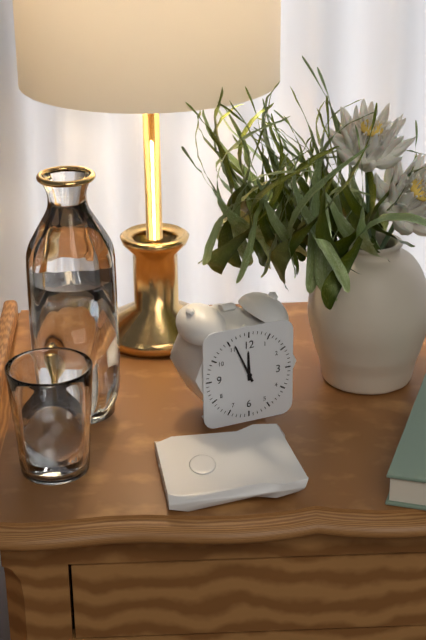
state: 11:56
